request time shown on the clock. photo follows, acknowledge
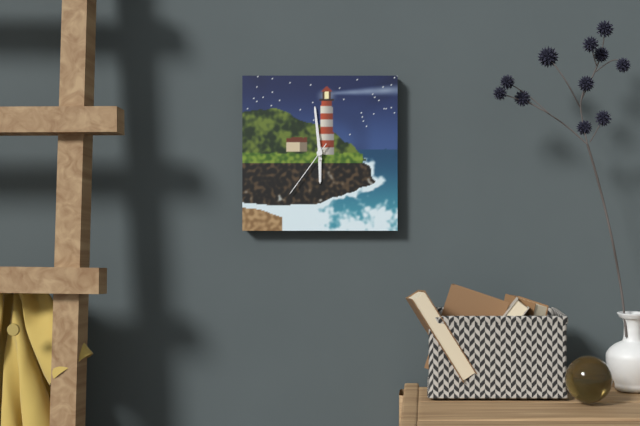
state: 5:59:36
